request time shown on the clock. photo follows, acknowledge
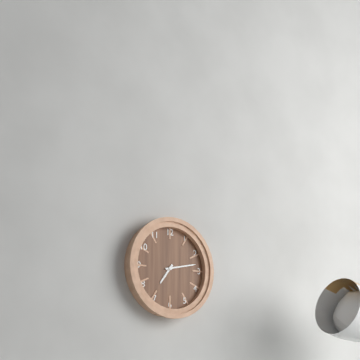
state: 7:13
